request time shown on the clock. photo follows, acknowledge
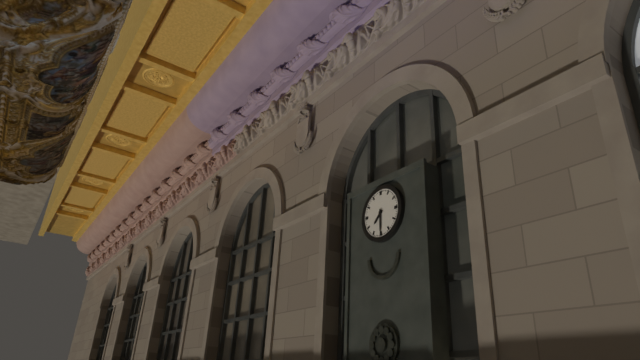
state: 7:30
